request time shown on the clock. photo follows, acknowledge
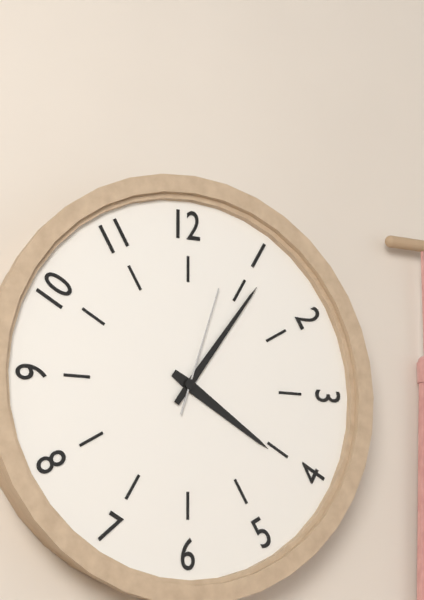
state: 4:06:03
